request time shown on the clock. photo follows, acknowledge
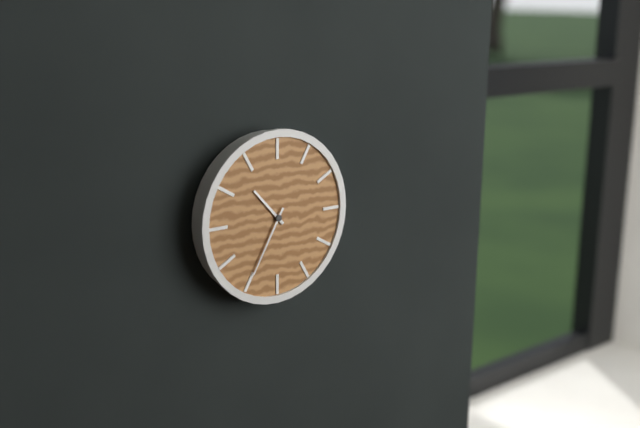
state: 10:35
